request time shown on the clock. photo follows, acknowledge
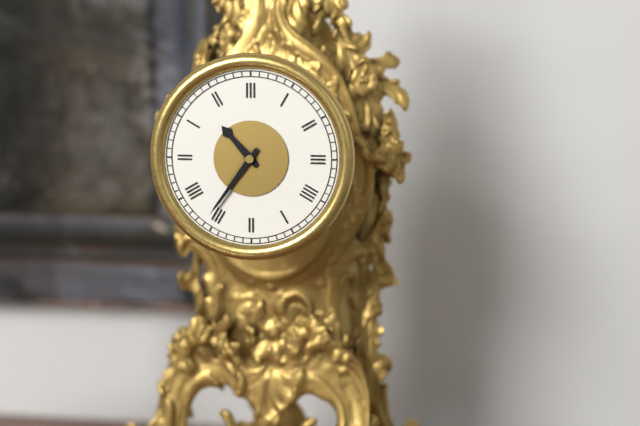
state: 10:36
